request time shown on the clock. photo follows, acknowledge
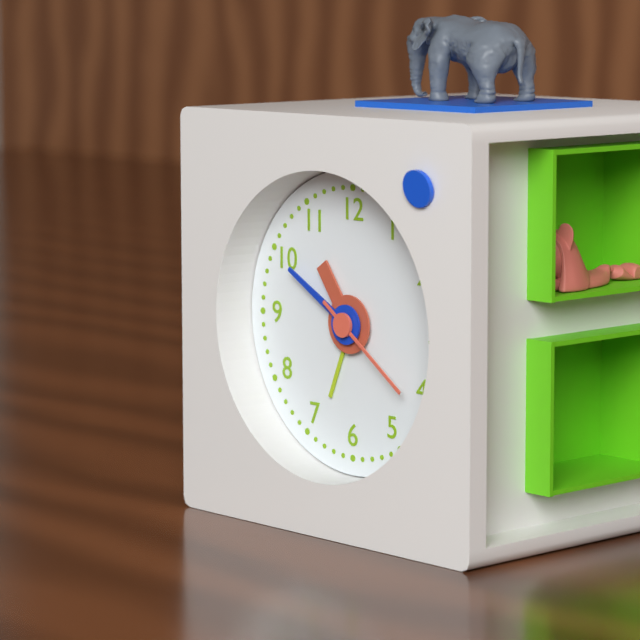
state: 10:50:21
